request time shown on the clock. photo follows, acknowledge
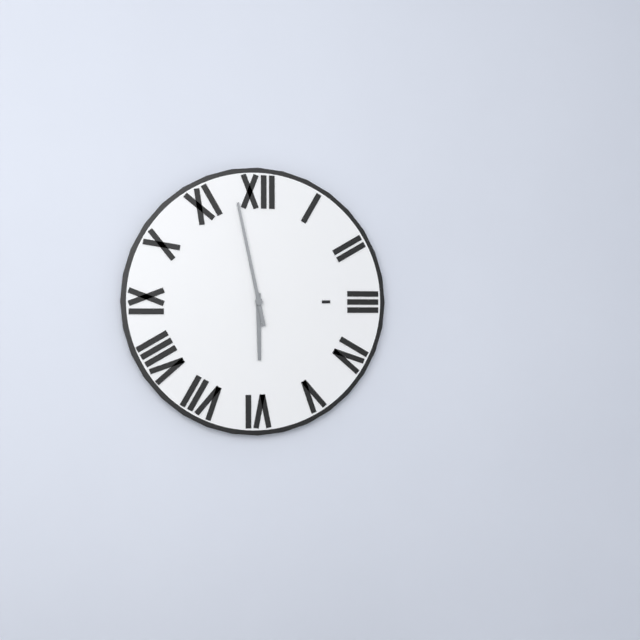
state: 5:58
